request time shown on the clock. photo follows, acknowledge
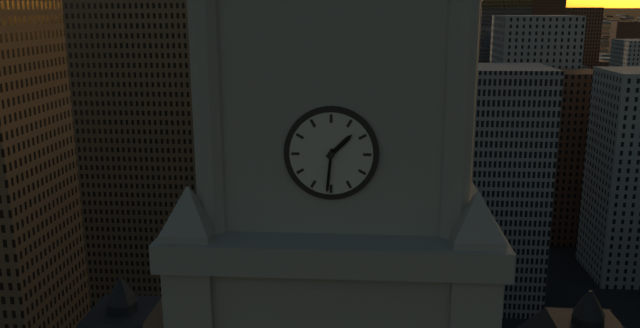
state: 1:31
